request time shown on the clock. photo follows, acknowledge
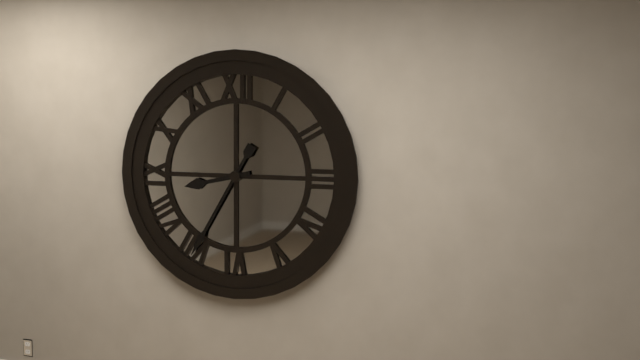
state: 8:35
